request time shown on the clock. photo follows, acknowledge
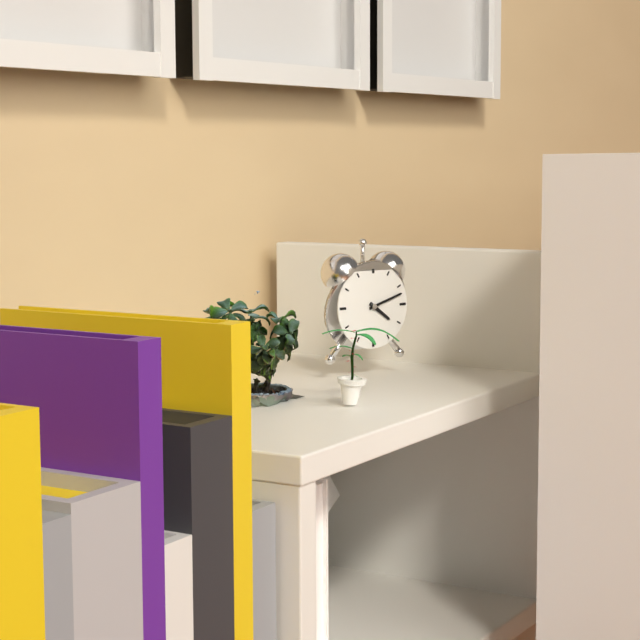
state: 4:12
